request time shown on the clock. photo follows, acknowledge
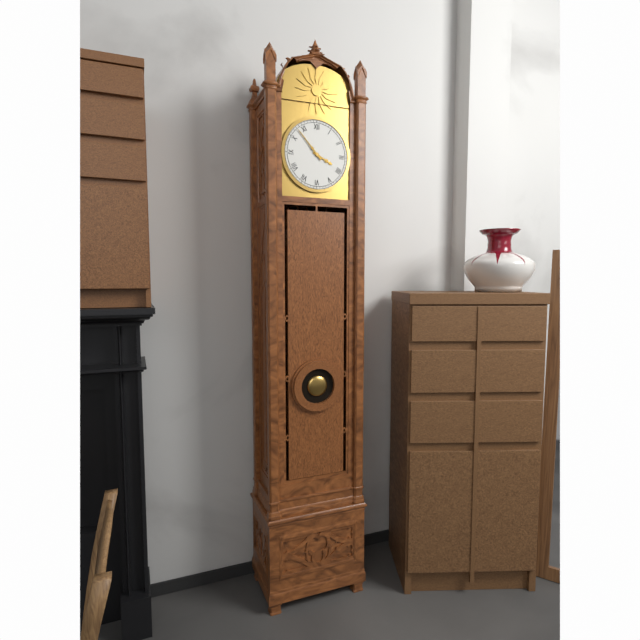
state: 3:53
